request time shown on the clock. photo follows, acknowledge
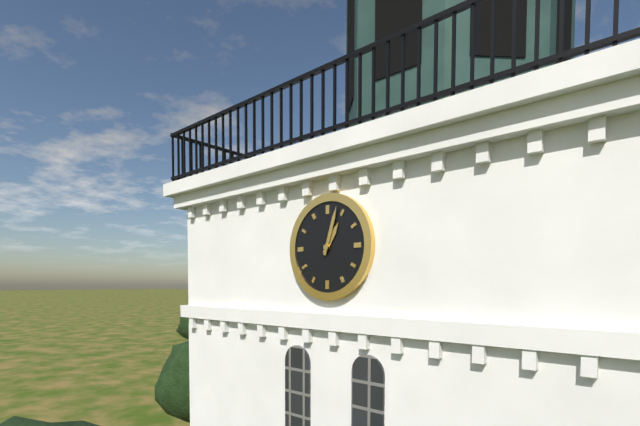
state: 1:03
